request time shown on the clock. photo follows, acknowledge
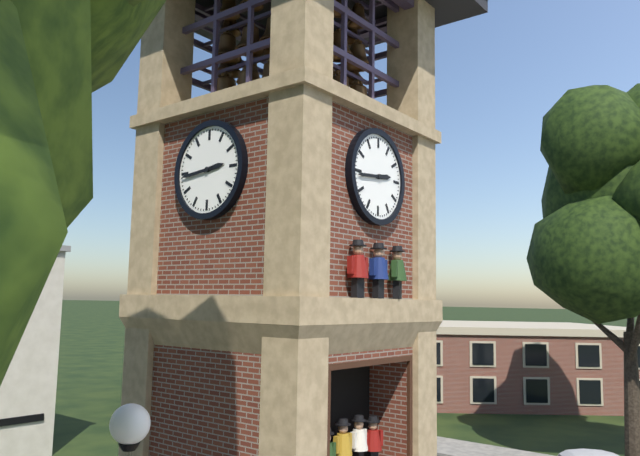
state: 2:44
